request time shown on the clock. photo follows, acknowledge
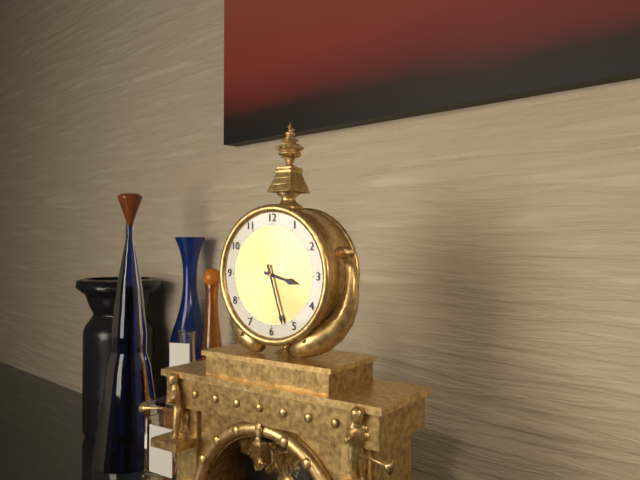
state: 3:27
